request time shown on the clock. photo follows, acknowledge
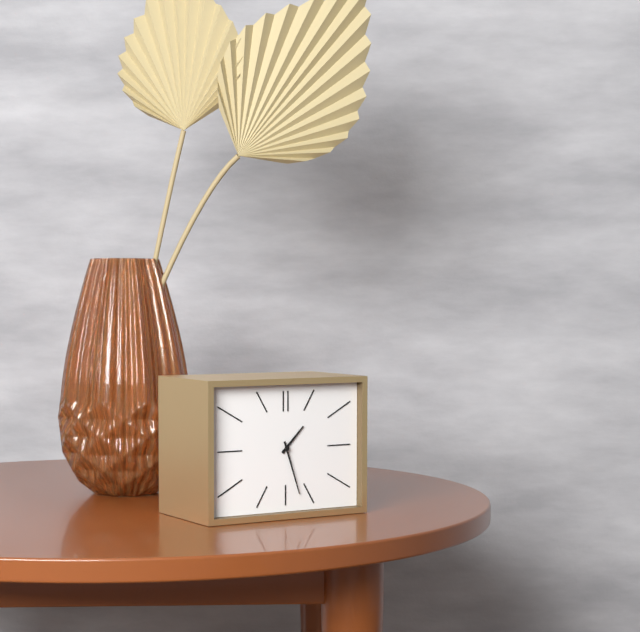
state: 1:27
